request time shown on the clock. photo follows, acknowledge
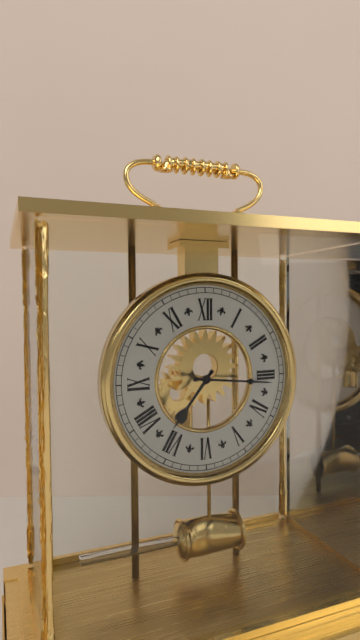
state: 7:16
